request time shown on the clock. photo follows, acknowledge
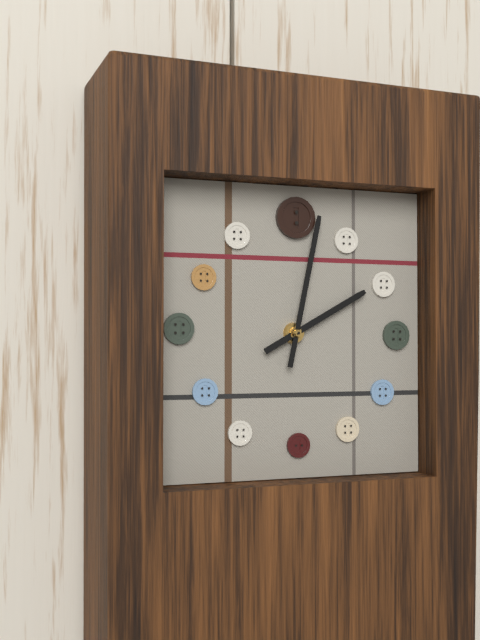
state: 2:02
